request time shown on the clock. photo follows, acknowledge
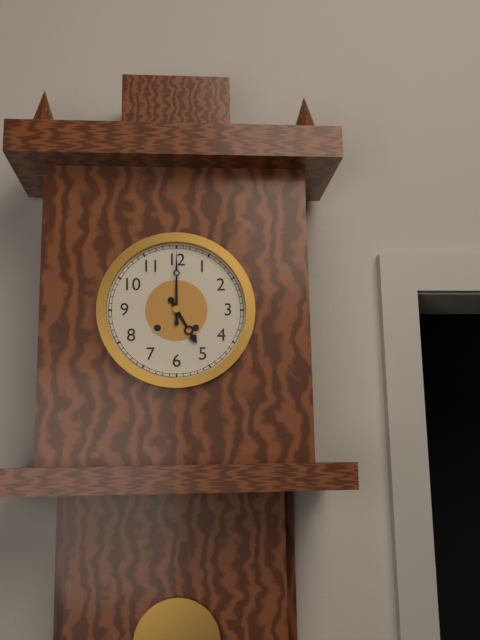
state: 5:00
